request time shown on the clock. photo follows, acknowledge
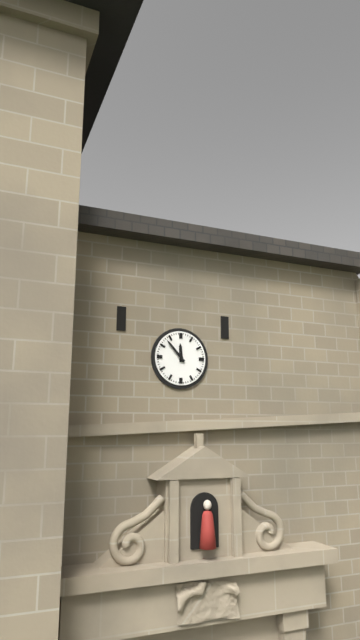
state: 11:53
